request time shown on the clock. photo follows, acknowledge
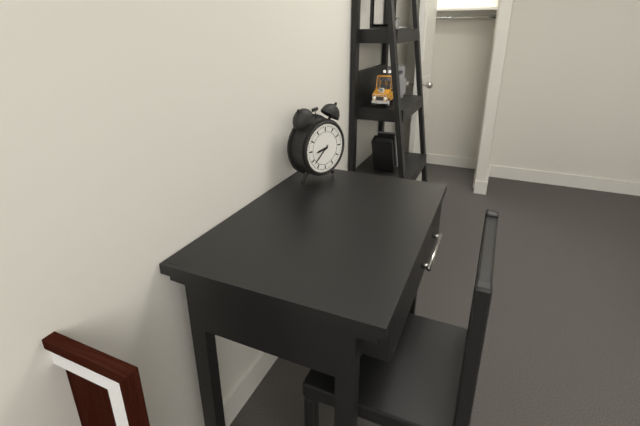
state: 8:38
